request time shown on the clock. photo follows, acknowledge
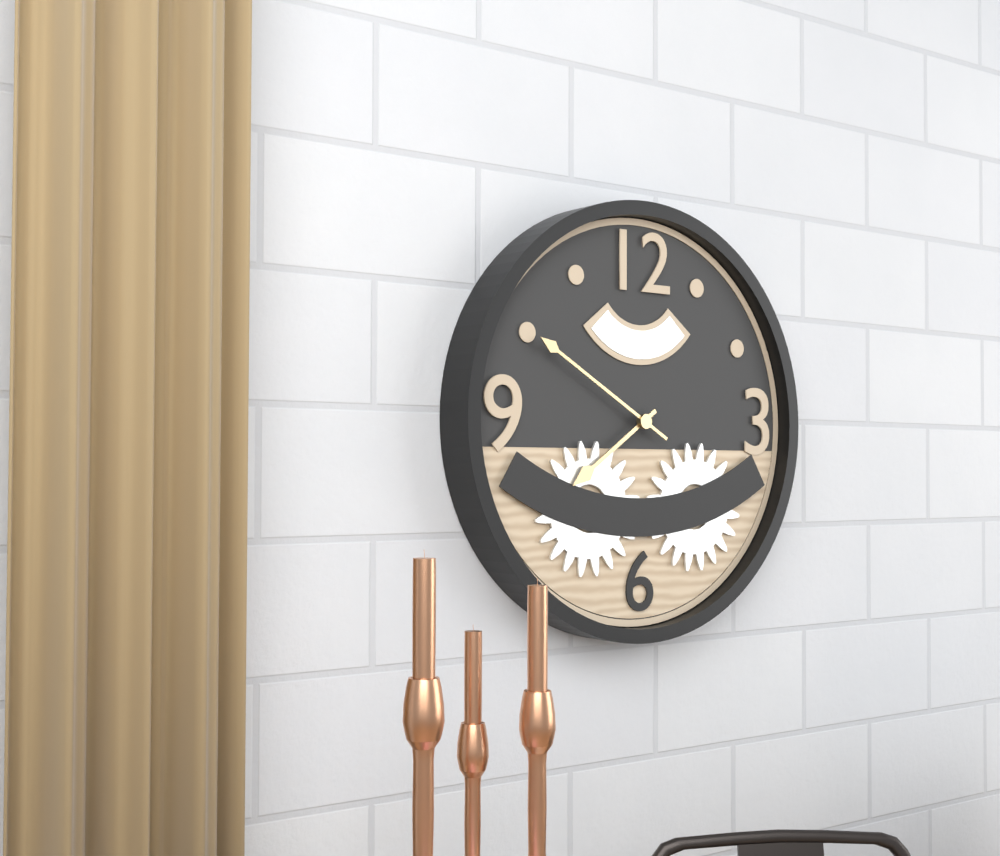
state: 7:50
